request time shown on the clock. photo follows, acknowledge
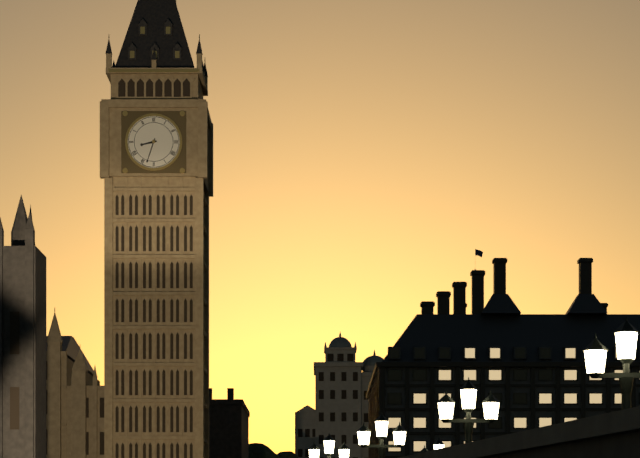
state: 8:33
